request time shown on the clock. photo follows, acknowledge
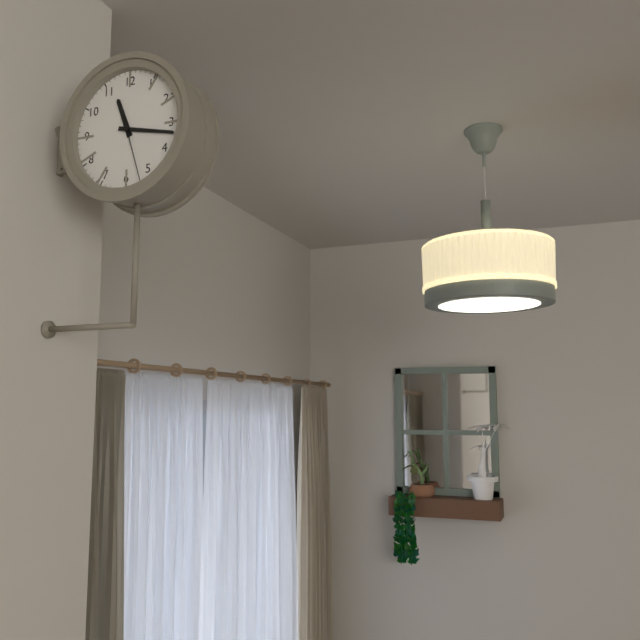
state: 11:17:27
